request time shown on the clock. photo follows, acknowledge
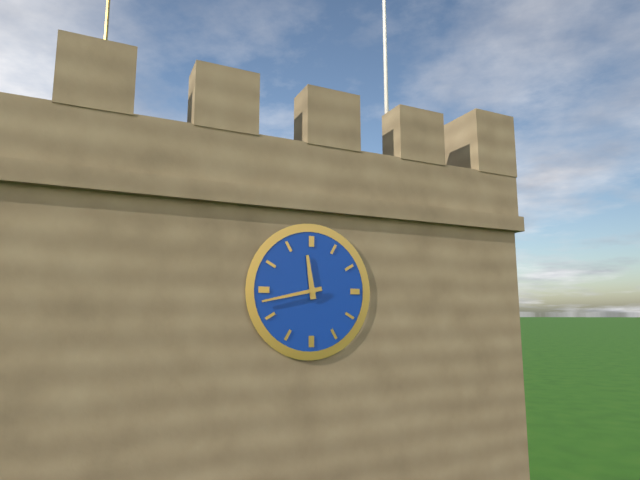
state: 11:43
